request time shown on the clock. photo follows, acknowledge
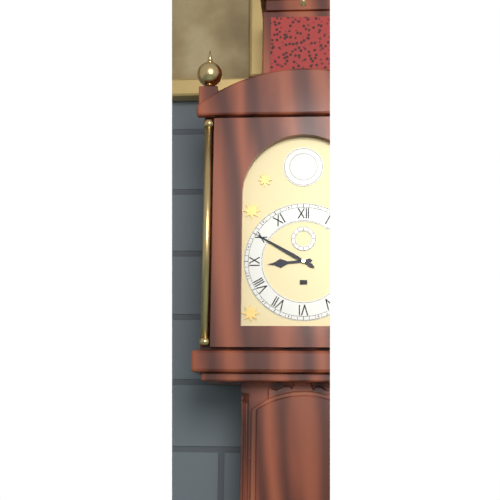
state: 8:50
